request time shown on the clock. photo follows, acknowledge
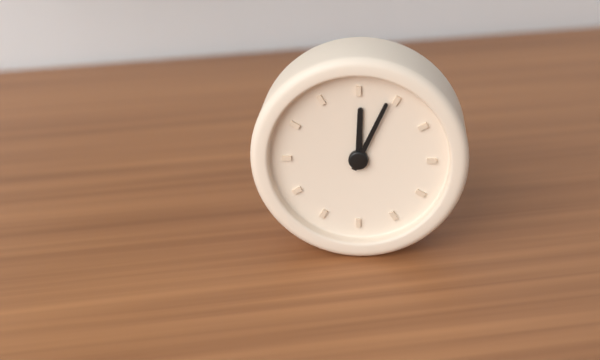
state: 12:04
